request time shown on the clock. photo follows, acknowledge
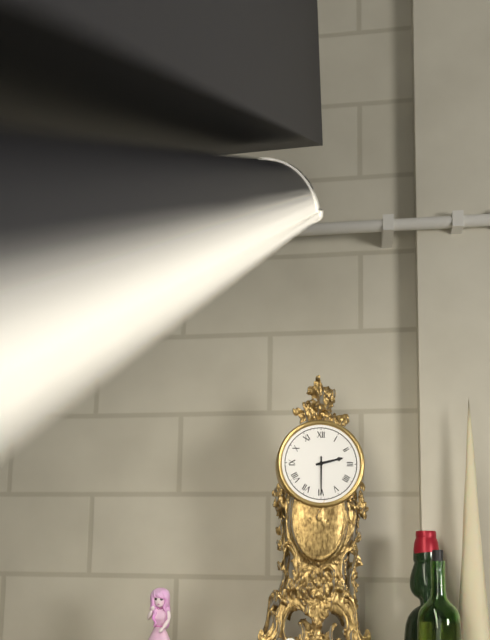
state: 2:30
